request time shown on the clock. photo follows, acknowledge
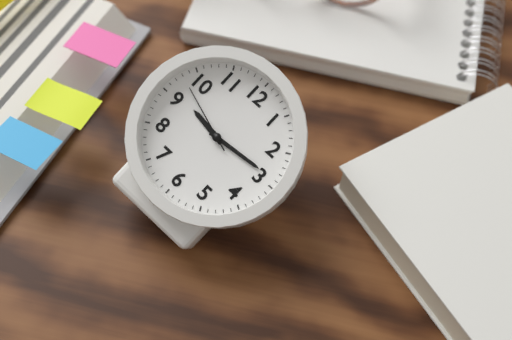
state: 9:14:48
